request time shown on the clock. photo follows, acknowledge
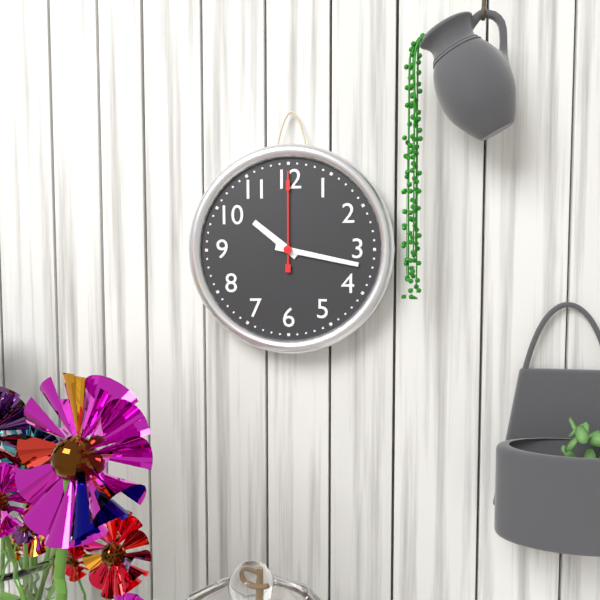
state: 10:17:00
